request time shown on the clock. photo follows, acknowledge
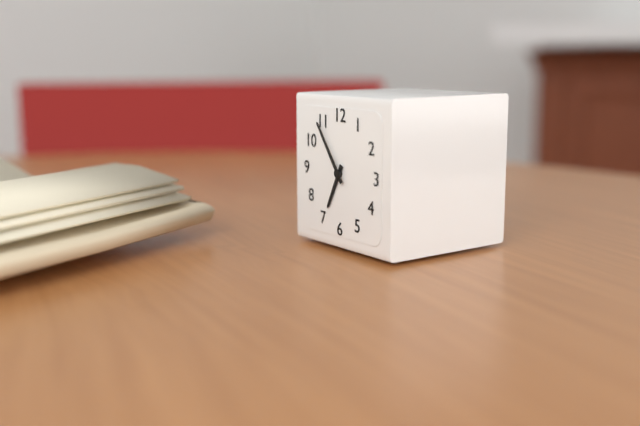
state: 6:54
